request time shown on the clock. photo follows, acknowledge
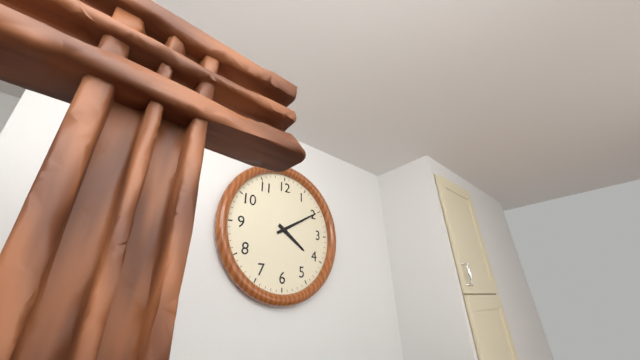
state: 4:10
